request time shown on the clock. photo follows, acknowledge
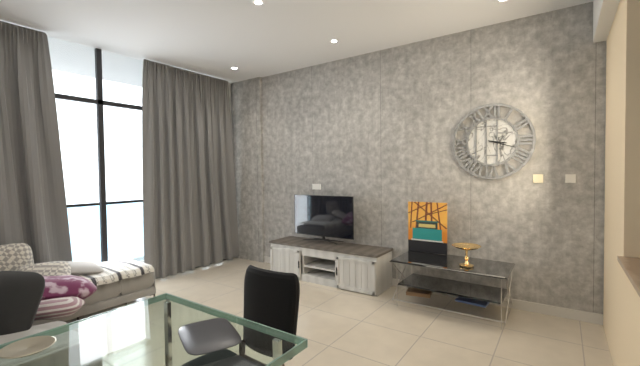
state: 3:18
